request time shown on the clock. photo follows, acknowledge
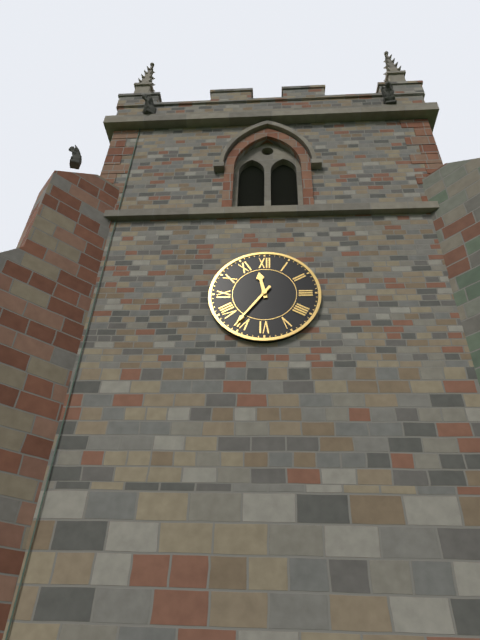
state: 11:36
